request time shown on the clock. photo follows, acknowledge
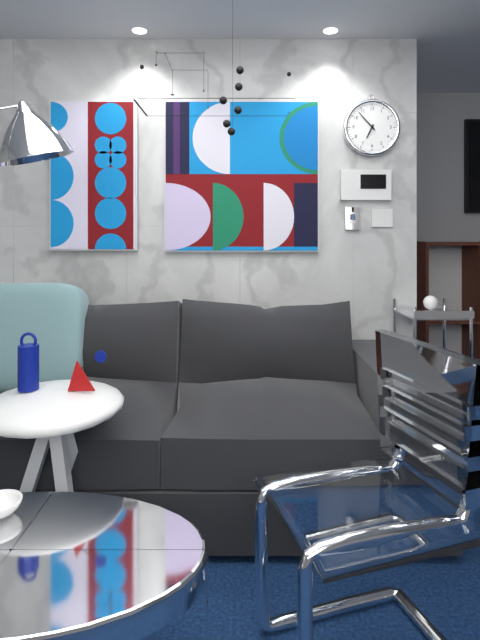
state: 6:53
